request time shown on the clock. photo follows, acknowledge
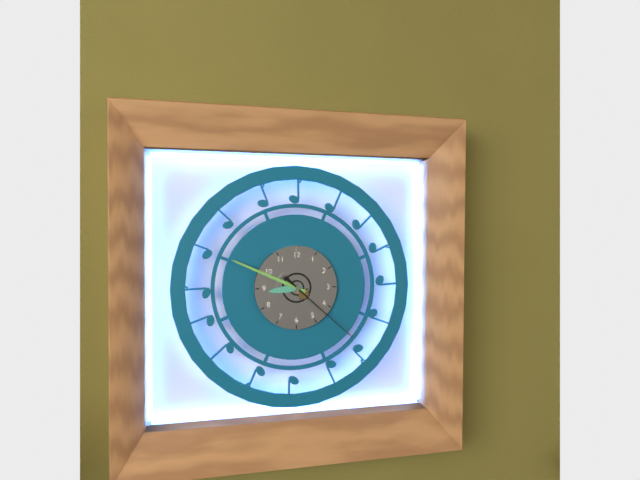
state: 8:49:22
